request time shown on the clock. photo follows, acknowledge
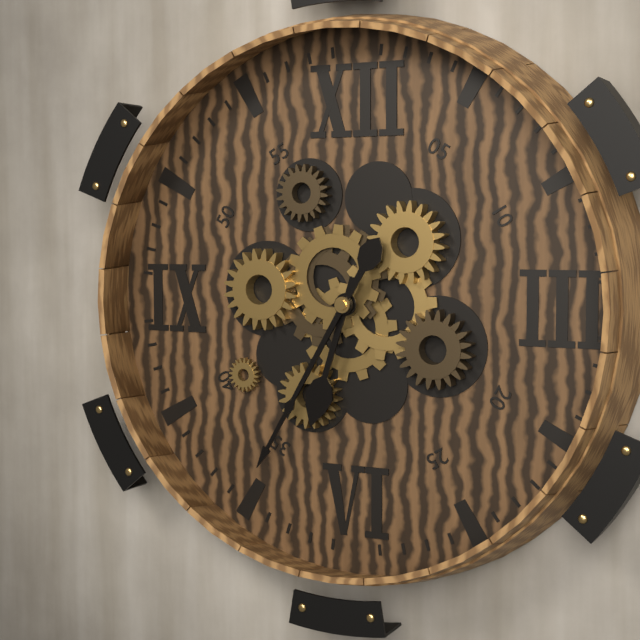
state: 6:35
